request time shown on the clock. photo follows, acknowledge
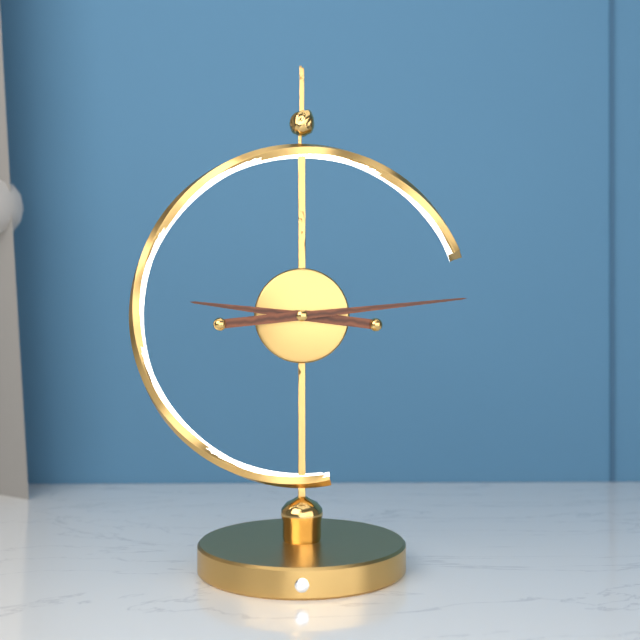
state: 9:14
